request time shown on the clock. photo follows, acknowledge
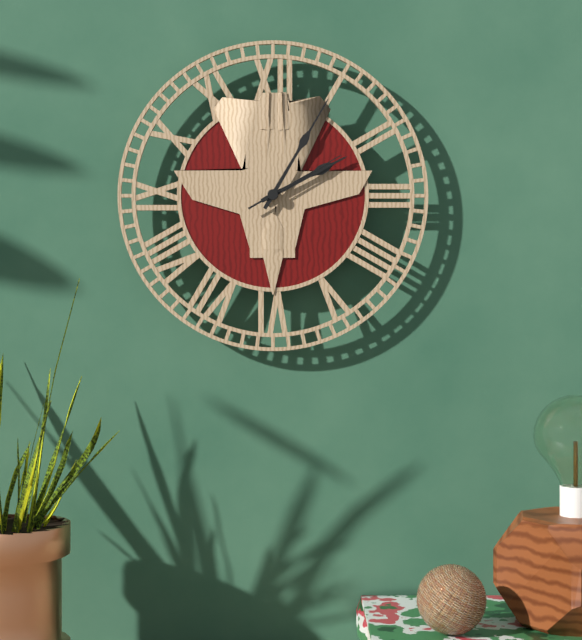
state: 2:05:10
